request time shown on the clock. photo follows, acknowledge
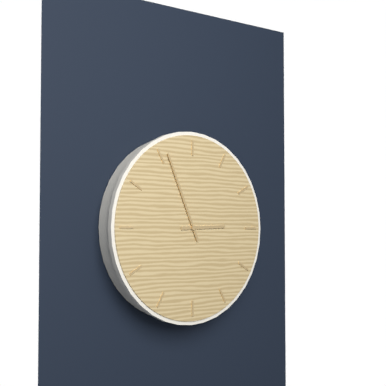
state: 2:56
